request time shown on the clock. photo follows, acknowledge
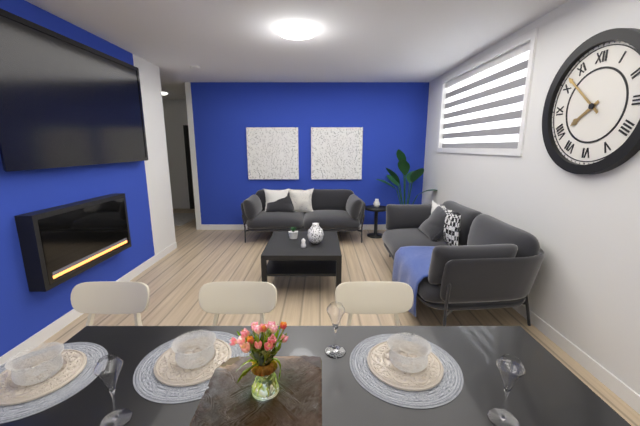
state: 7:52
